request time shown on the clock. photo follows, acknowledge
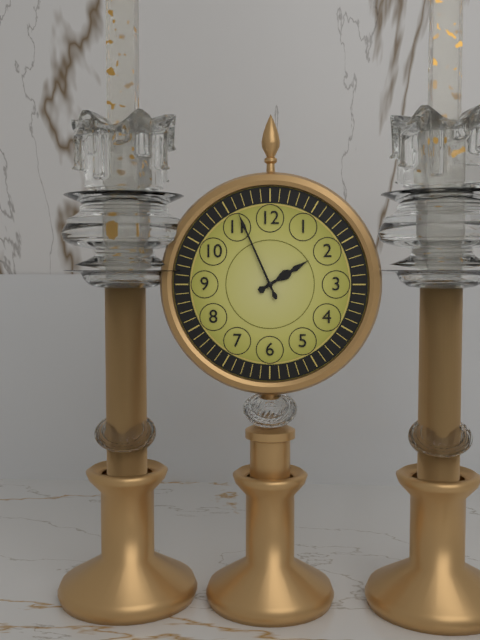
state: 1:56
